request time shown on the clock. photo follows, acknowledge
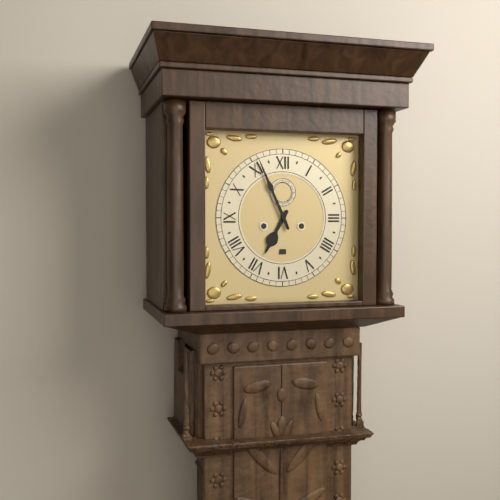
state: 6:56
